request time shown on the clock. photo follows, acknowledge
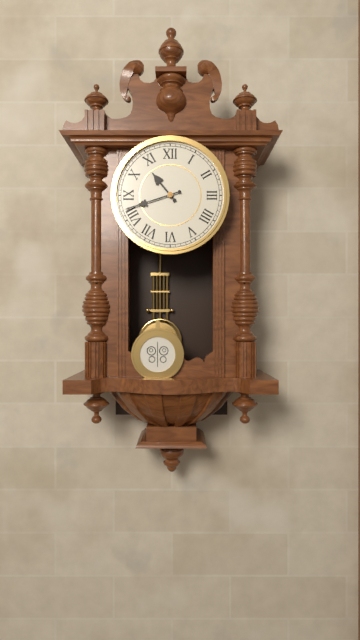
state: 10:42
